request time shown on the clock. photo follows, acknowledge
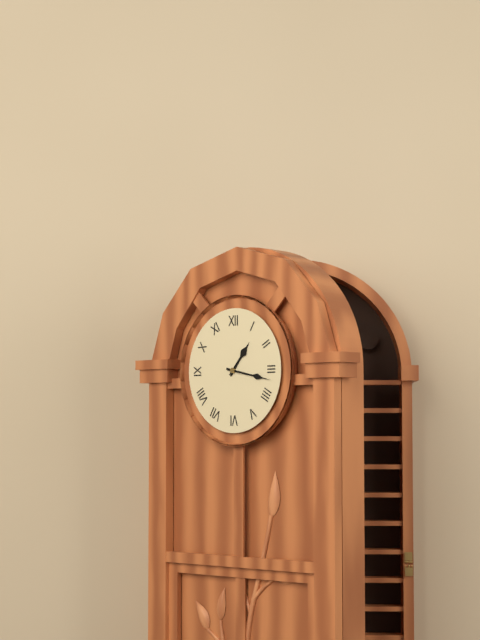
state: 1:17
